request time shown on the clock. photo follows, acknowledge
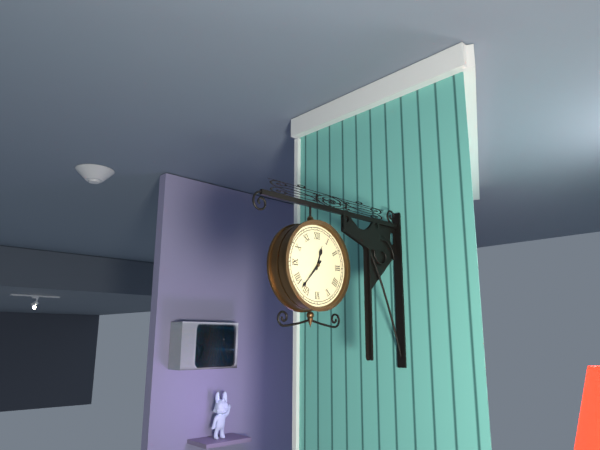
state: 12:37
